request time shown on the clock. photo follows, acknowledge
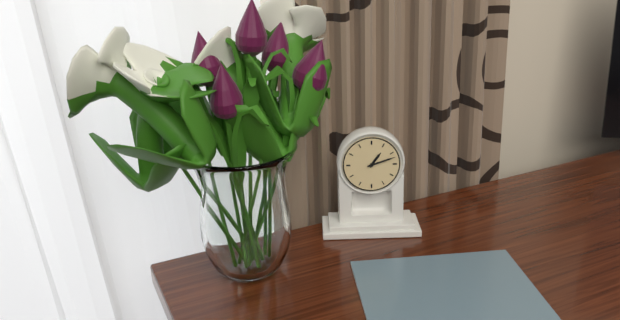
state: 1:12
